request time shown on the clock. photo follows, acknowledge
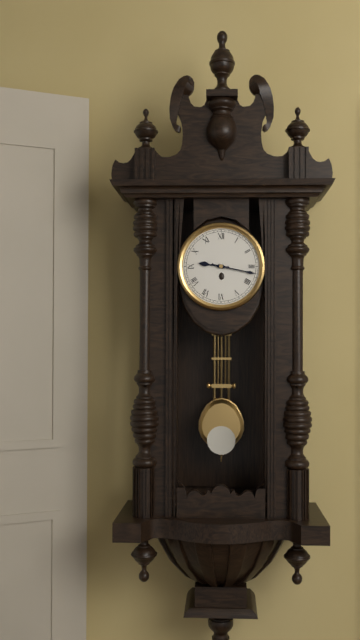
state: 9:17
